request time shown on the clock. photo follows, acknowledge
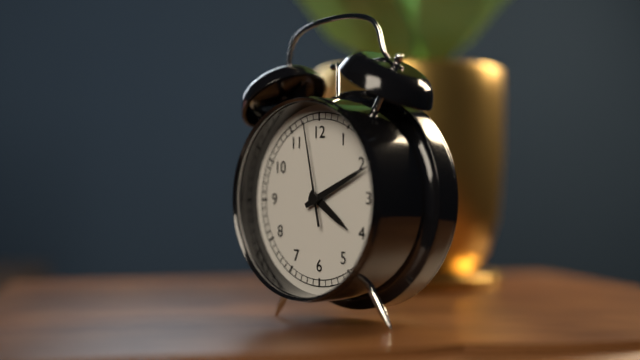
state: 4:11:58
